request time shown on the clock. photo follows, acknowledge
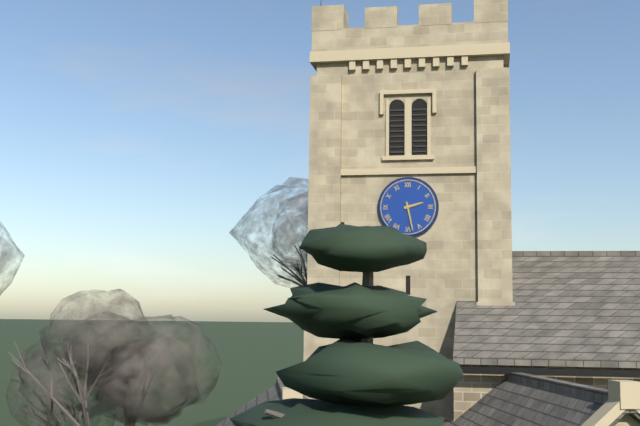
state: 2:28
